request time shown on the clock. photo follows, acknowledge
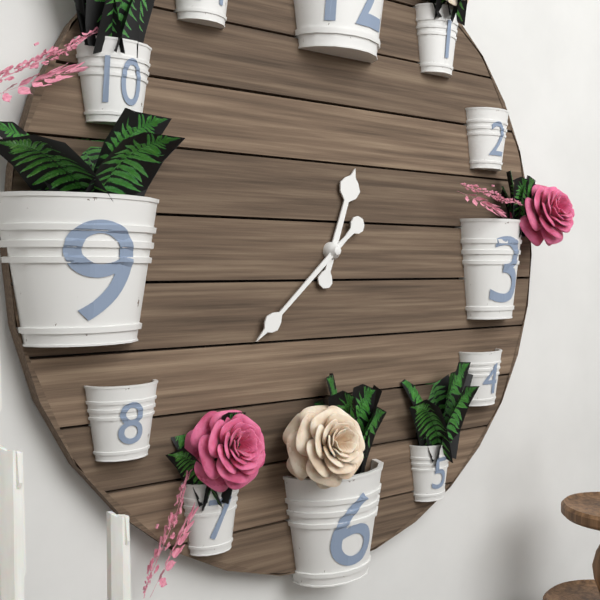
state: 12:38
